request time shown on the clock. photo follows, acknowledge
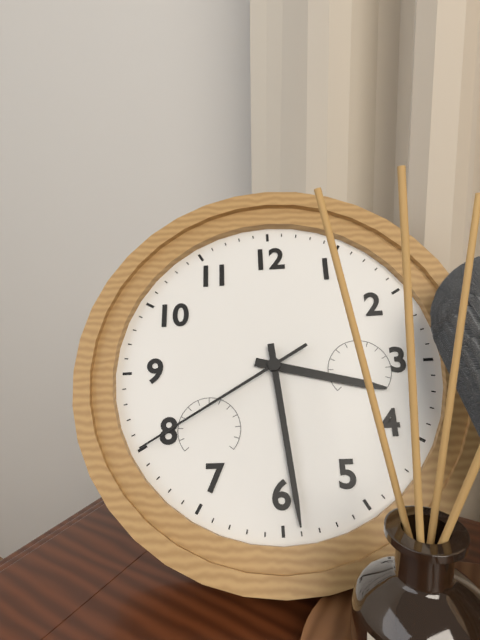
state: 3:29:40
